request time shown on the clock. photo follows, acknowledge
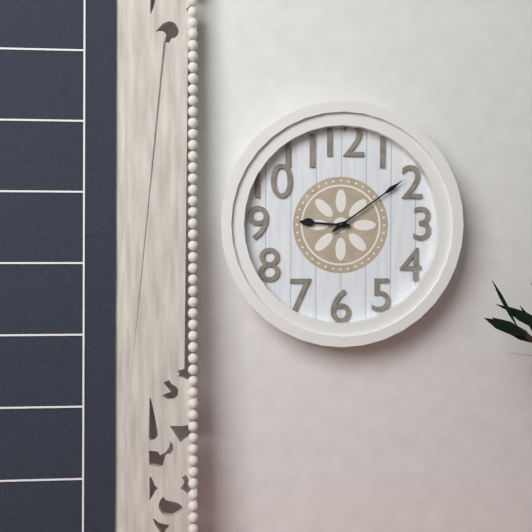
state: 9:09
